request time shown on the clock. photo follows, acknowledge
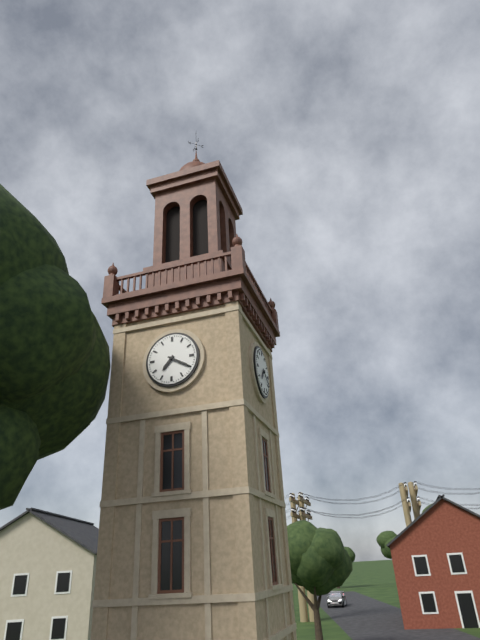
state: 7:20
